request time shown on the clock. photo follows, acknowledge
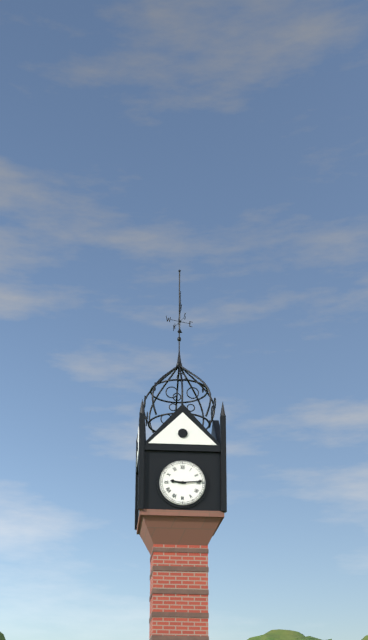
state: 9:14
